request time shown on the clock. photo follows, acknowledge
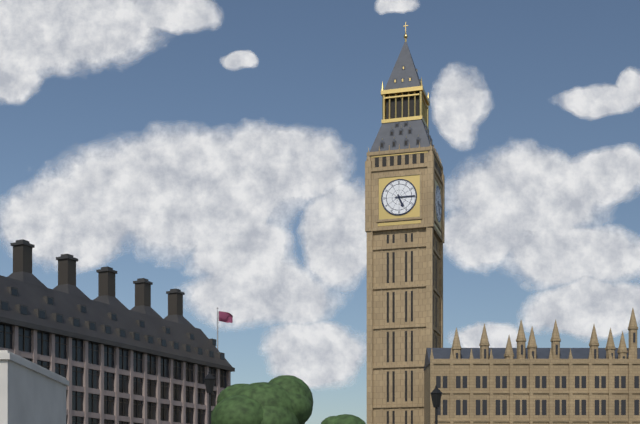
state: 5:15
